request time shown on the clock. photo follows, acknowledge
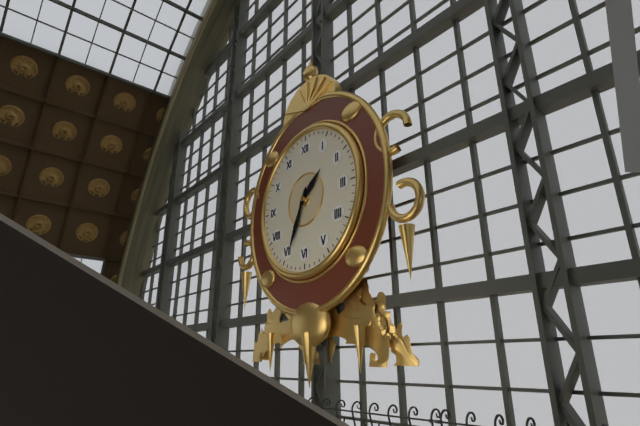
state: 1:34
